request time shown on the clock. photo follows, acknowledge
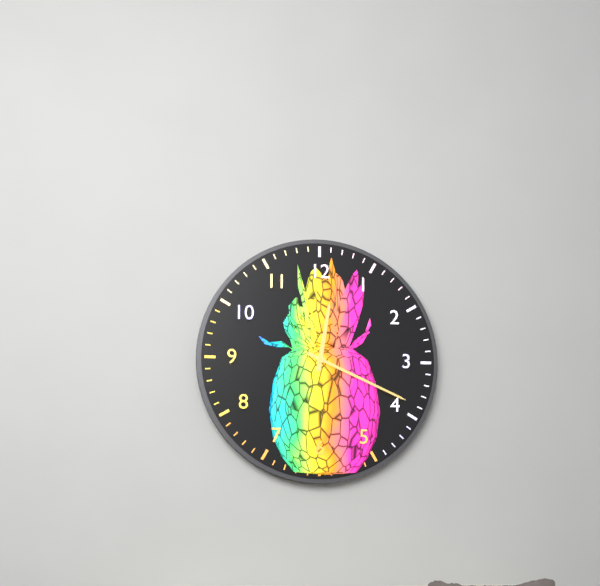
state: 12:19
